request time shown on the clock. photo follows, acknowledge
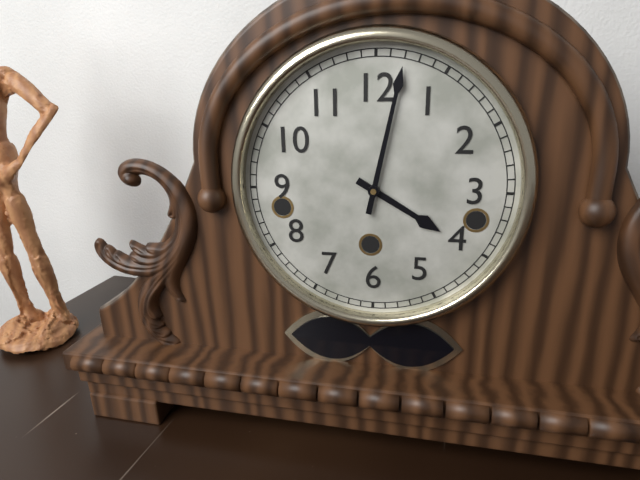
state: 4:02
